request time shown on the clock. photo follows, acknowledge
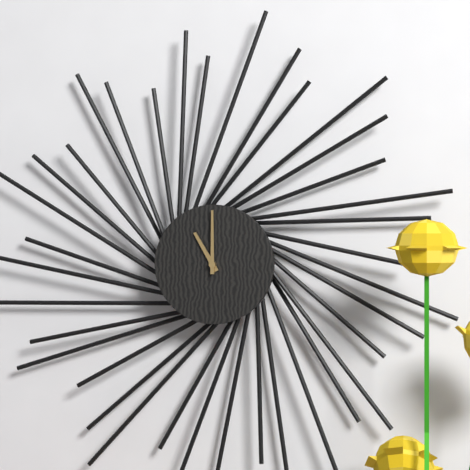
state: 11:00
